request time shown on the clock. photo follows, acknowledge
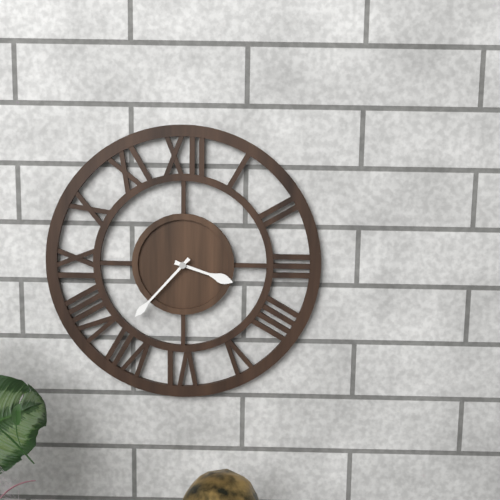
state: 3:37
